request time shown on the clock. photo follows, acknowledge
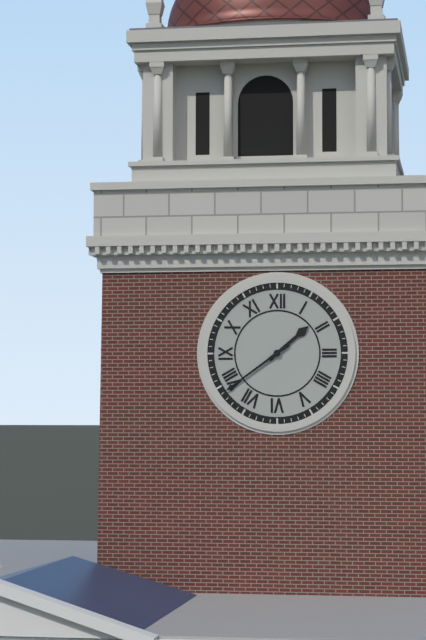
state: 1:39
